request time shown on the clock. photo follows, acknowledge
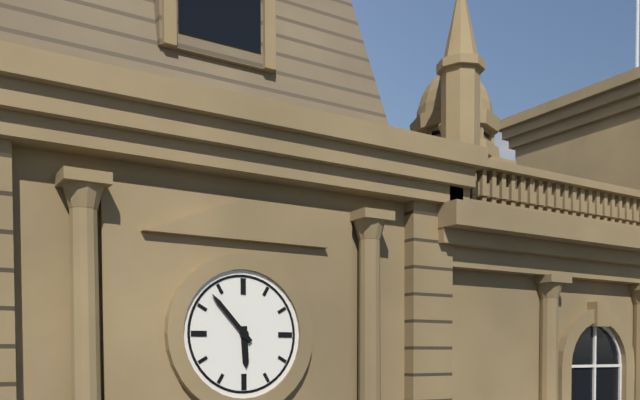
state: 5:53
